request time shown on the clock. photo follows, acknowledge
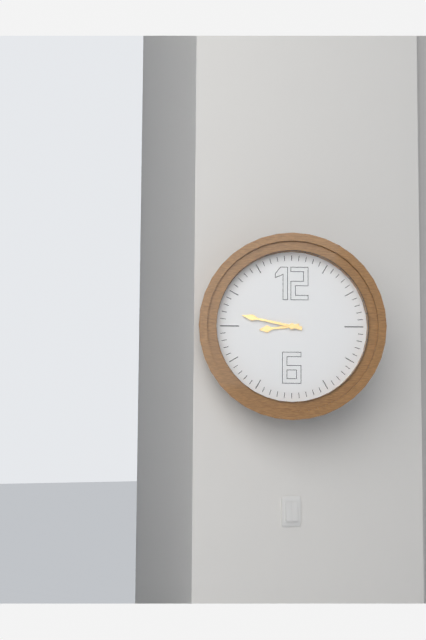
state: 8:47
